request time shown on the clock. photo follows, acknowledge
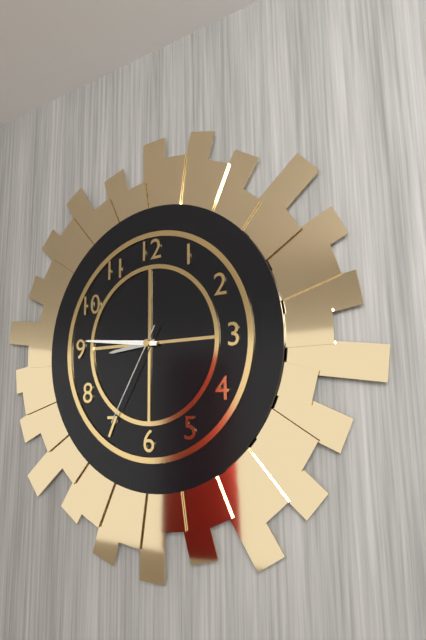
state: 8:46:35
